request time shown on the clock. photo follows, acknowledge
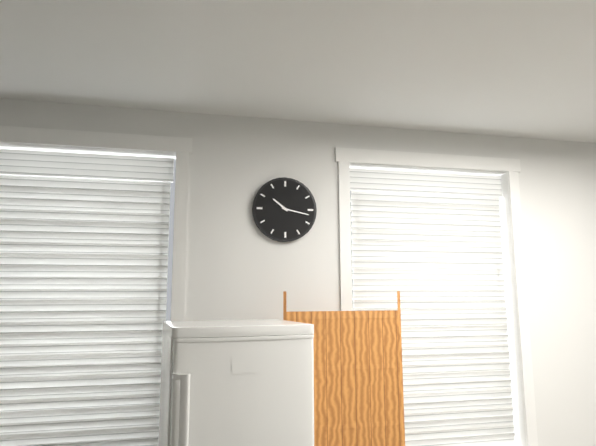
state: 10:17
